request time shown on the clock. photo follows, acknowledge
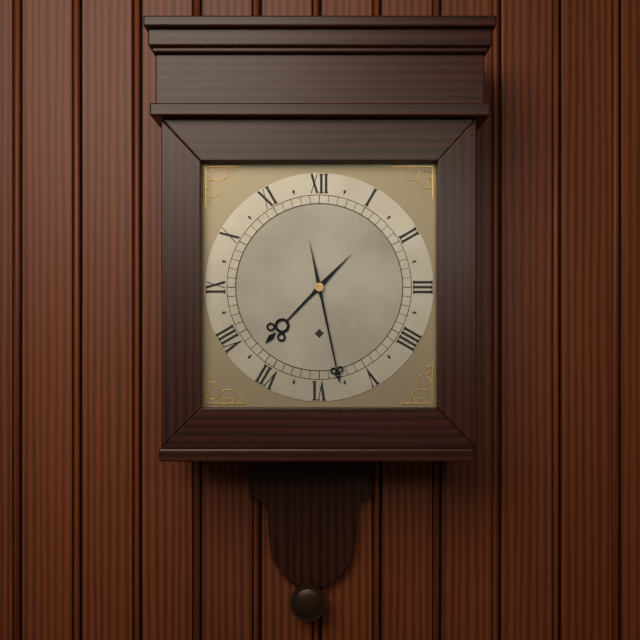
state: 7:28
